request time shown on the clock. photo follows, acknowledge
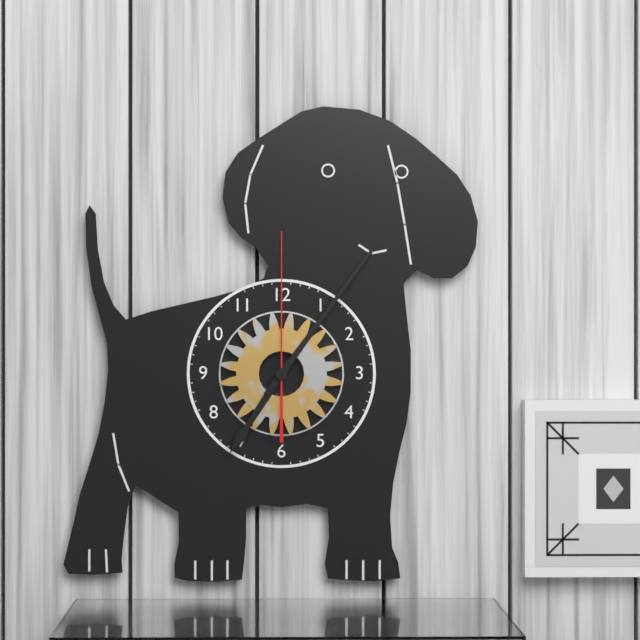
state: 7:06:00
